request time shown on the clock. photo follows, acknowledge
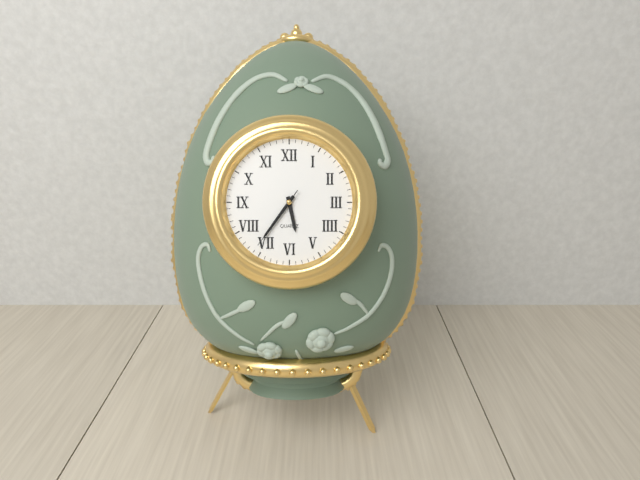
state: 5:36:36
